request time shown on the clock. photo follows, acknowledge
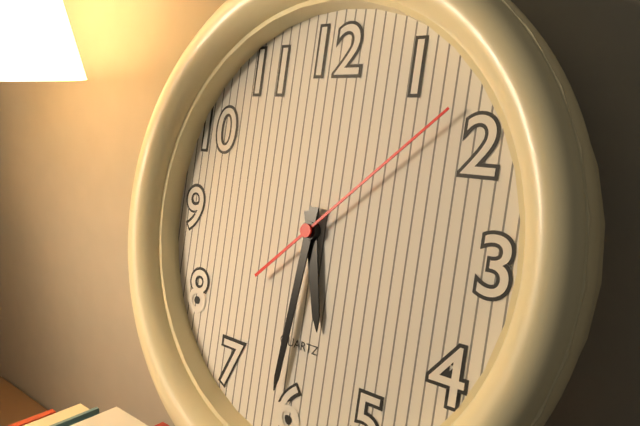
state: 5:31:08
